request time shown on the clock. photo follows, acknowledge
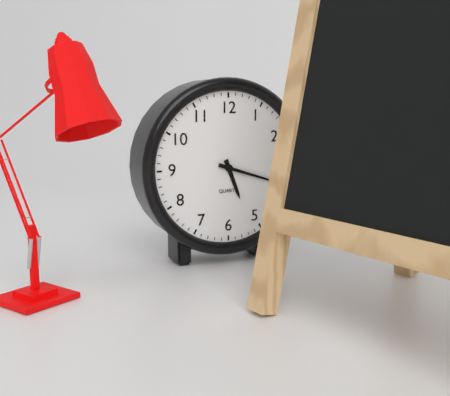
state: 5:18
